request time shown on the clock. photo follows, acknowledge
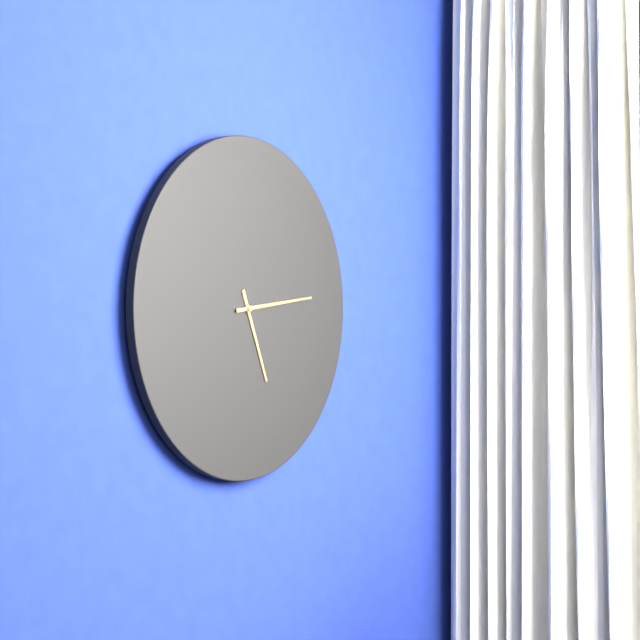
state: 5:14
